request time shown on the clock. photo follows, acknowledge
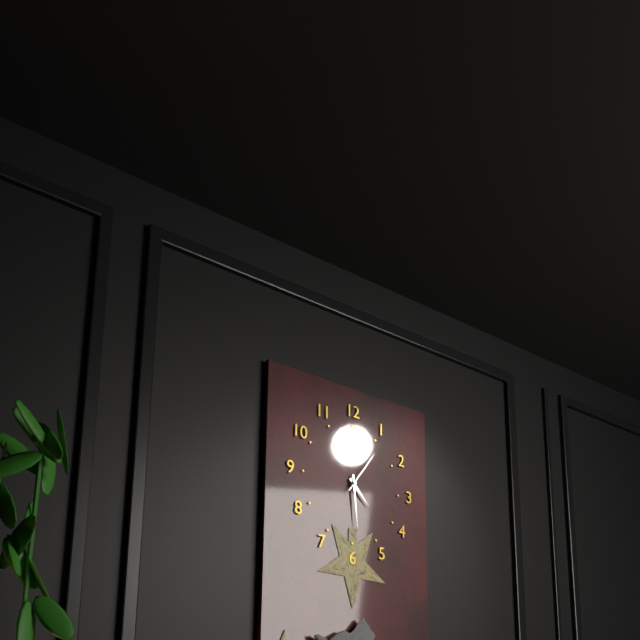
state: 4:29
